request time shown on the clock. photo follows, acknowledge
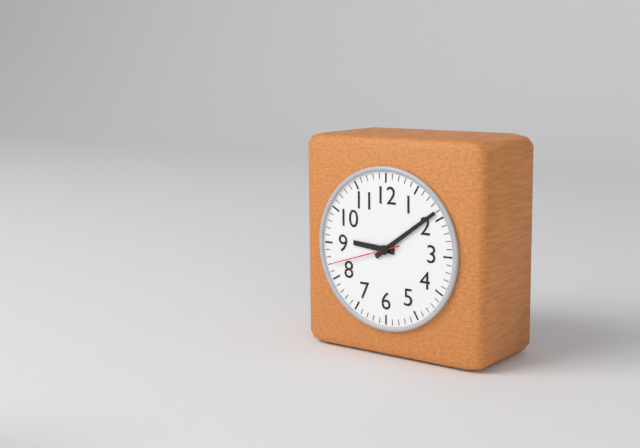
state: 9:09:42
